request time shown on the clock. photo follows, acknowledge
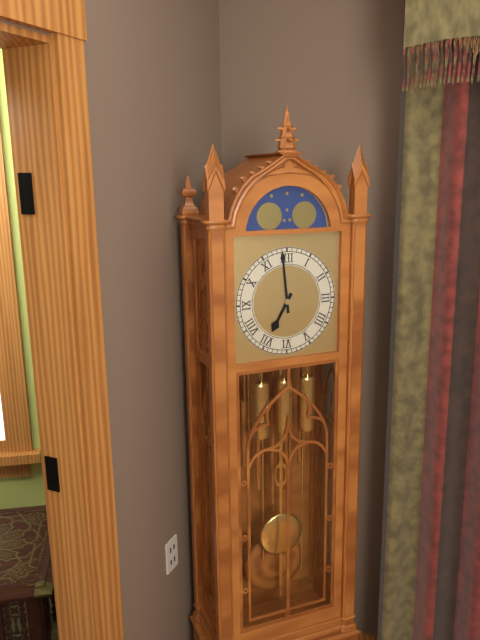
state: 6:59
